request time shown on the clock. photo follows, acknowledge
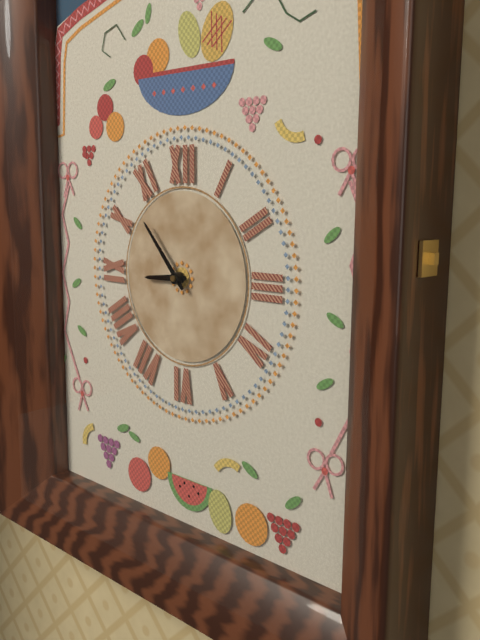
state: 8:53
